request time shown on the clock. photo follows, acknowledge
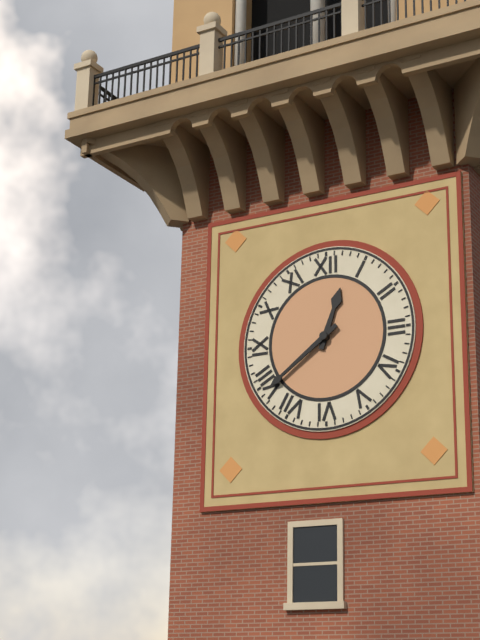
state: 12:39
